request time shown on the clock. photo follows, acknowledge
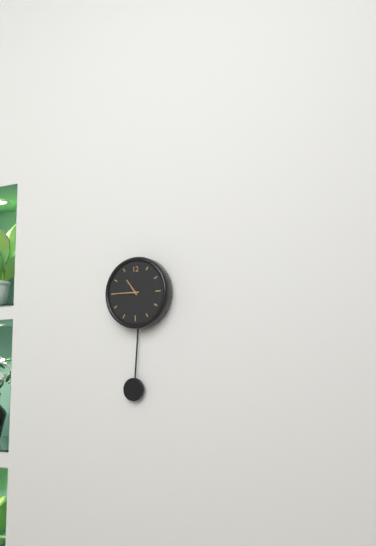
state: 10:45
